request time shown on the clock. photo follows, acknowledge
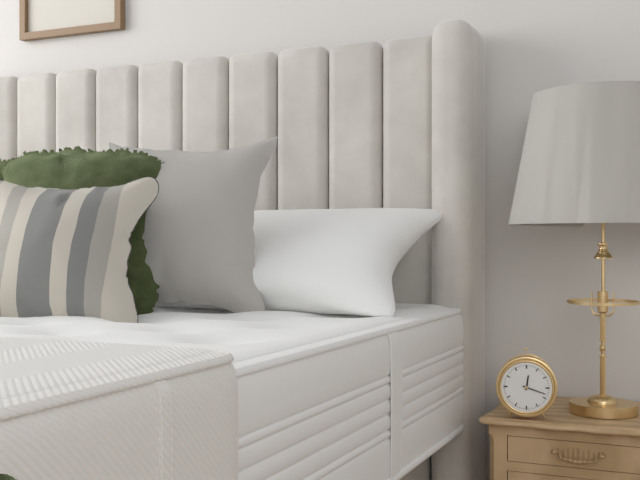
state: 12:18
